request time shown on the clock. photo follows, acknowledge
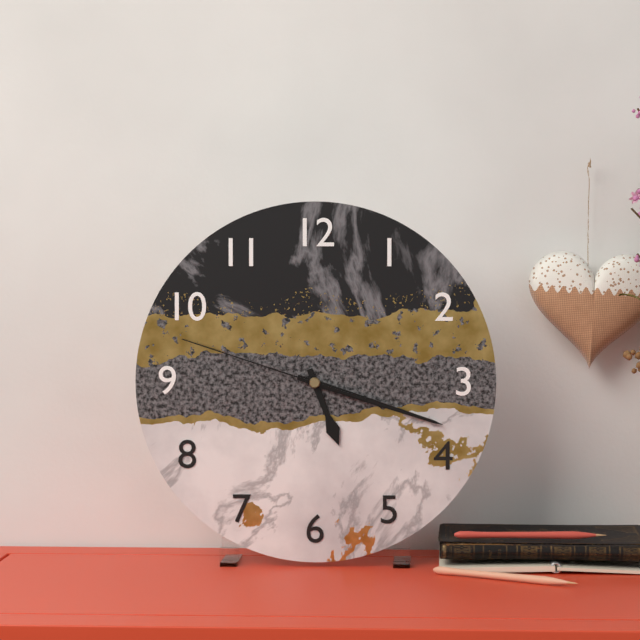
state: 5:18:48
